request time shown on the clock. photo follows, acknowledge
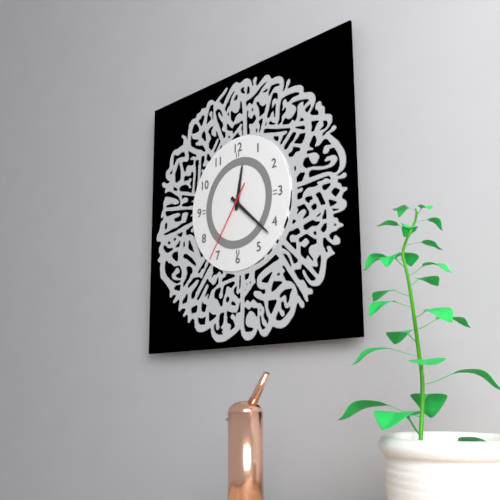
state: 12:22:36
